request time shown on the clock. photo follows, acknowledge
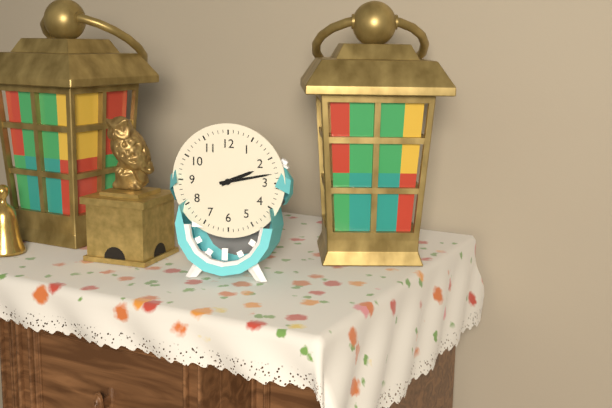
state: 2:13
